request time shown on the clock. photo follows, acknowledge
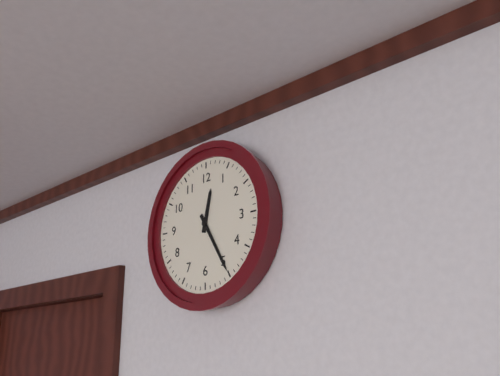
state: 12:25
